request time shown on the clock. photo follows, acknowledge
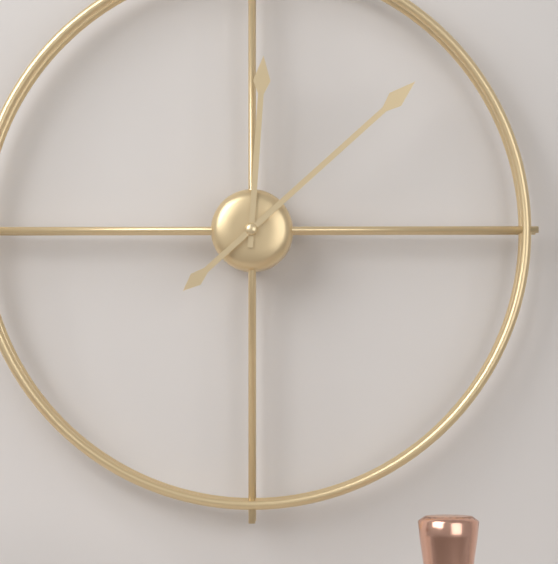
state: 12:08
